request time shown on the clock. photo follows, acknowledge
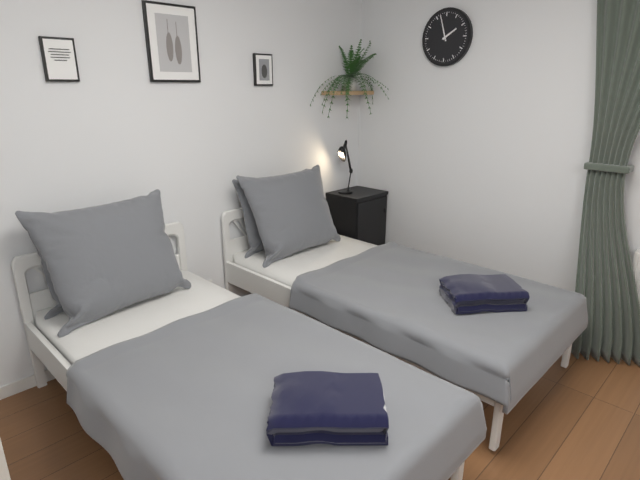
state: 1:57
